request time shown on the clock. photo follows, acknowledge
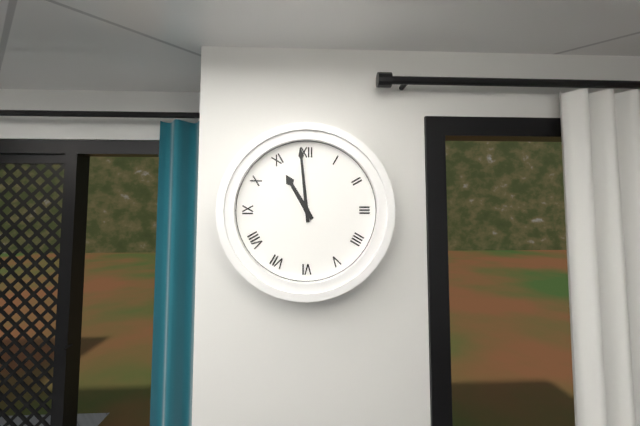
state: 10:59
